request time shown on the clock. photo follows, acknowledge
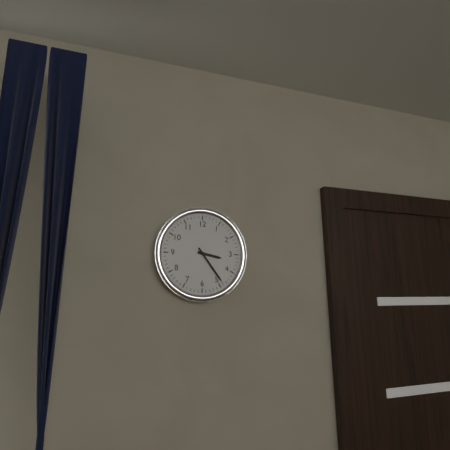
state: 3:24
